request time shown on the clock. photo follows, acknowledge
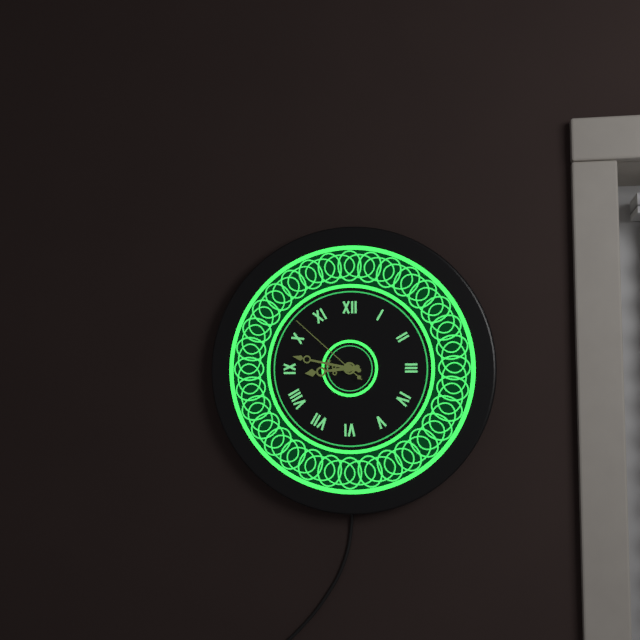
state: 8:47:52
